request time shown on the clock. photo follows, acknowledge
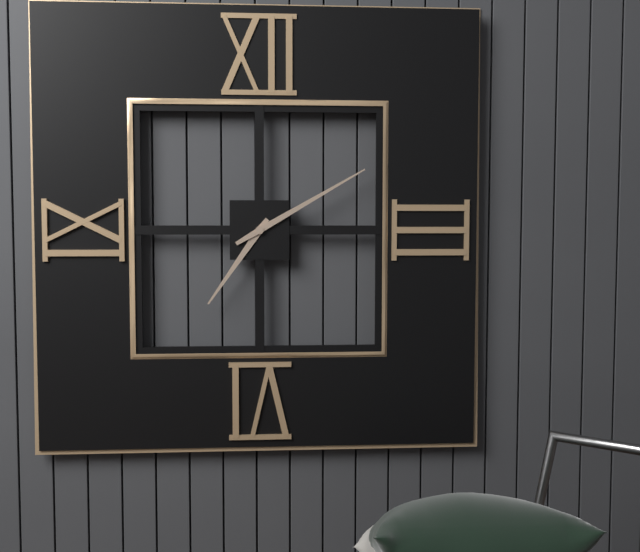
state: 7:10
